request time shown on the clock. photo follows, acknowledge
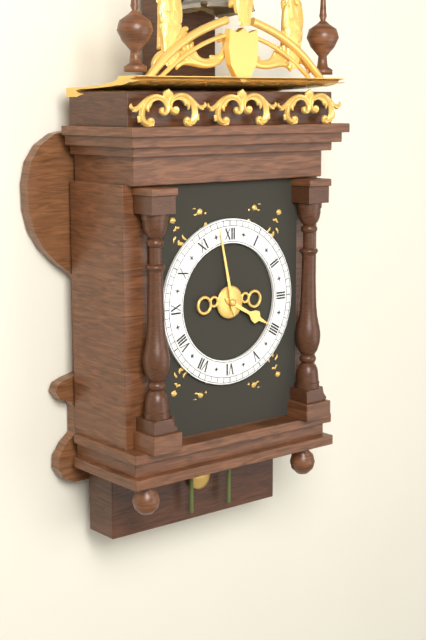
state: 3:58
